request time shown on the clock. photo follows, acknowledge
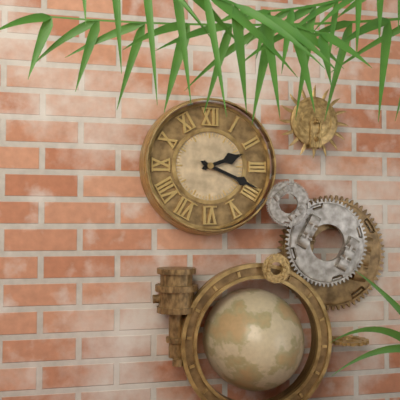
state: 2:19
